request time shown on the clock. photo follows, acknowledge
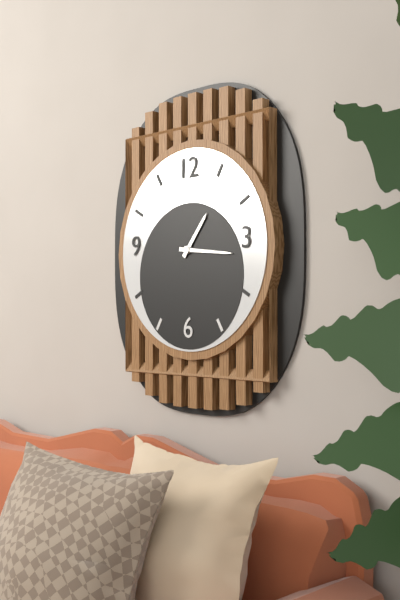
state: 1:16
